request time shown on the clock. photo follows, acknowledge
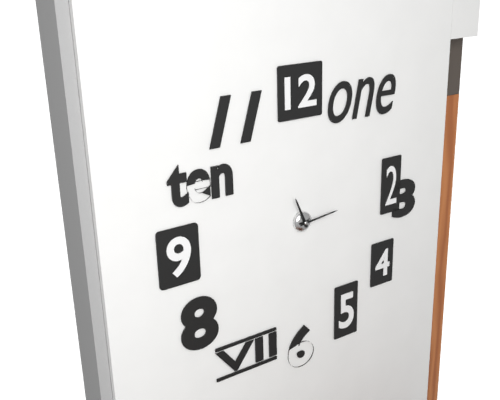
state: 11:14
